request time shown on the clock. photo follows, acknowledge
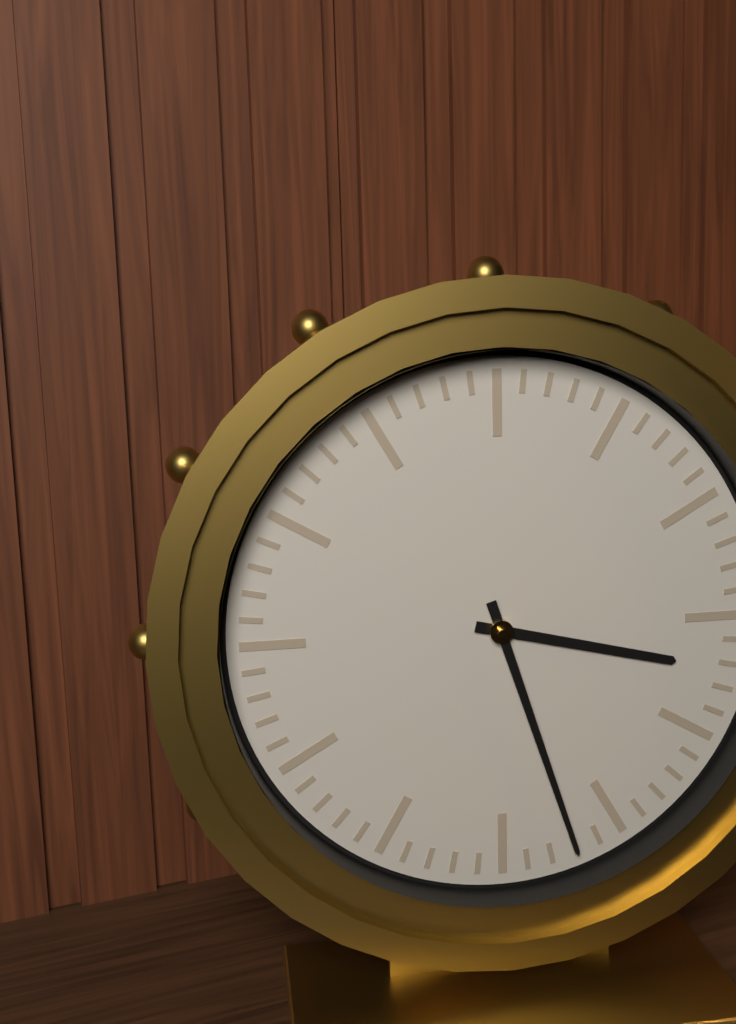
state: 3:27
